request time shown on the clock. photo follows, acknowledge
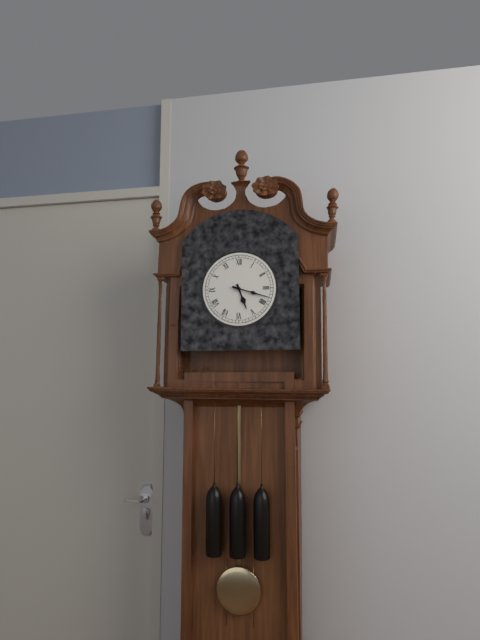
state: 5:18
